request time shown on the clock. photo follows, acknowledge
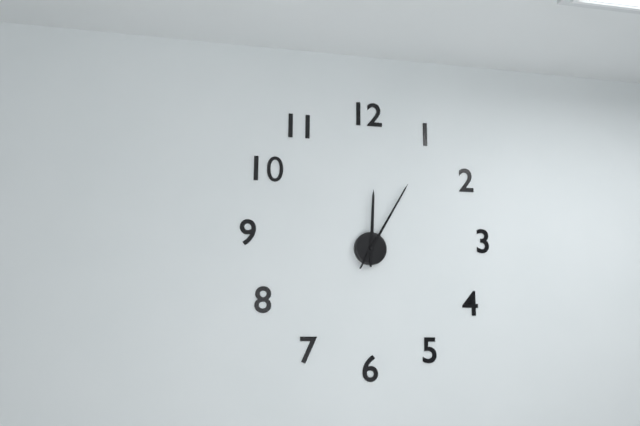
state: 12:05
